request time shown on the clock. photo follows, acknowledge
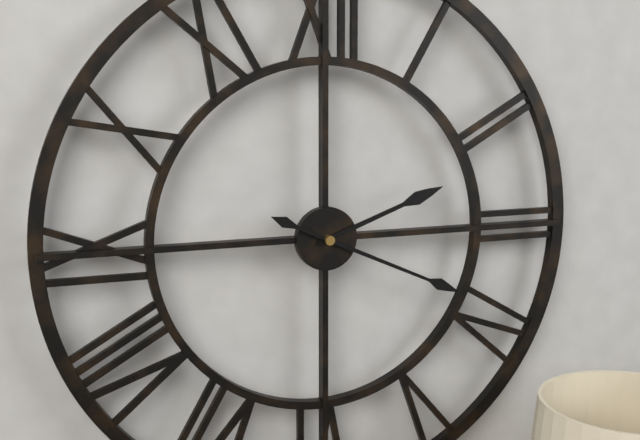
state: 2:19
